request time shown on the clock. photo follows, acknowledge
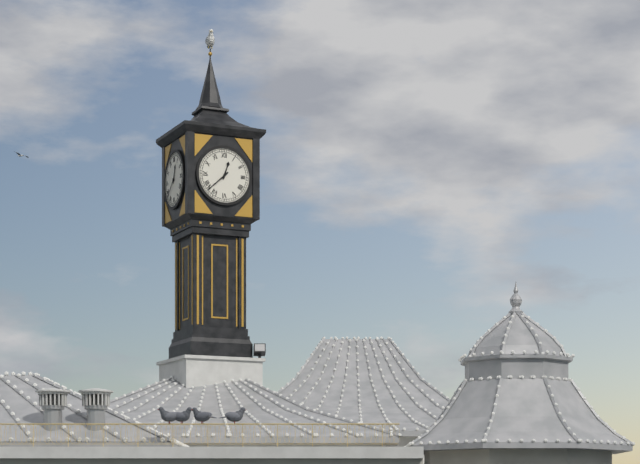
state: 12:38
